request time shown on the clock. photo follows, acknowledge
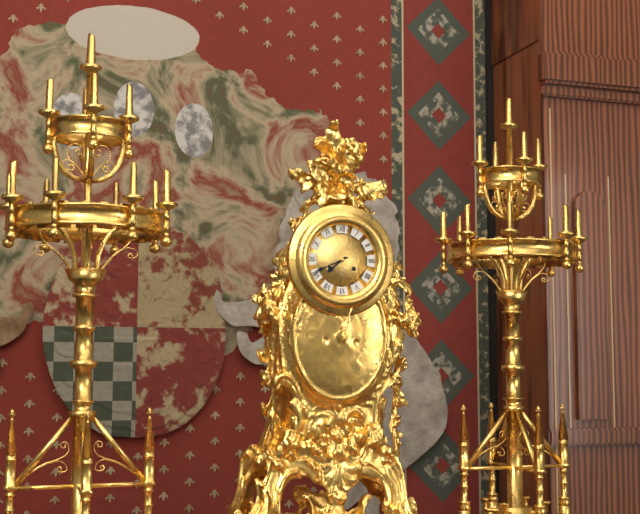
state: 7:41
